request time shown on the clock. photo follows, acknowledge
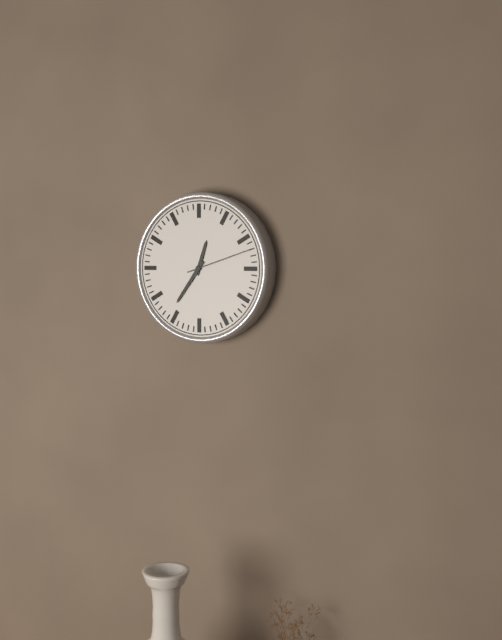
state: 12:36:12
